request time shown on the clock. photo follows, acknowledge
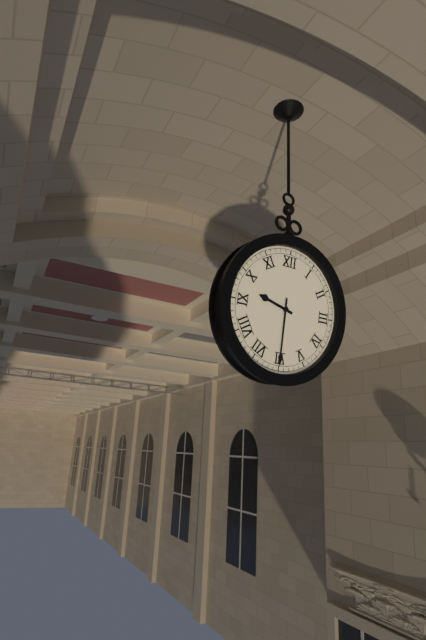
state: 9:30
